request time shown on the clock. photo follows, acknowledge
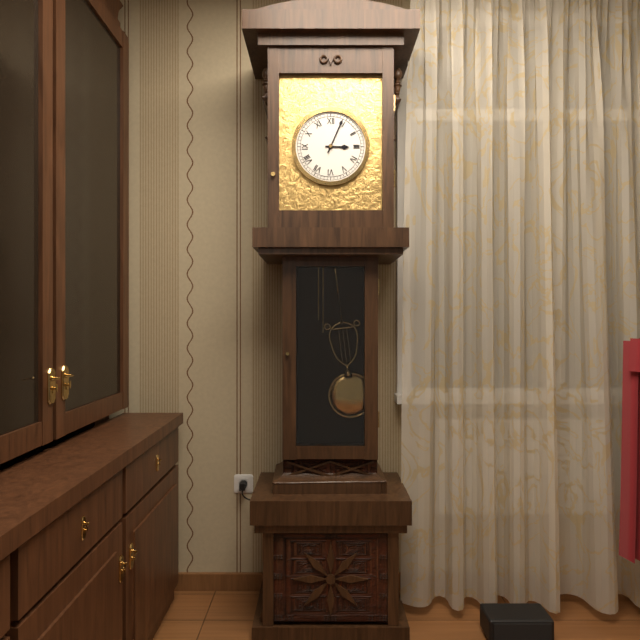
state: 3:04
